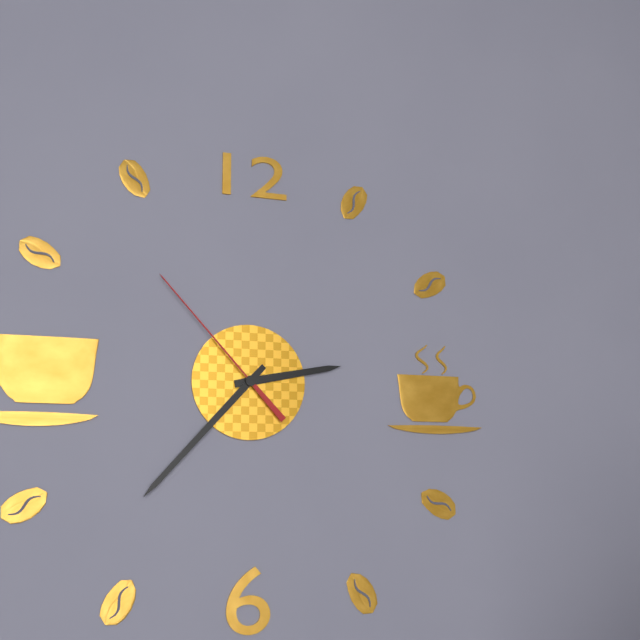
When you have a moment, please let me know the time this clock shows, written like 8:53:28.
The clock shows 2:37:53
